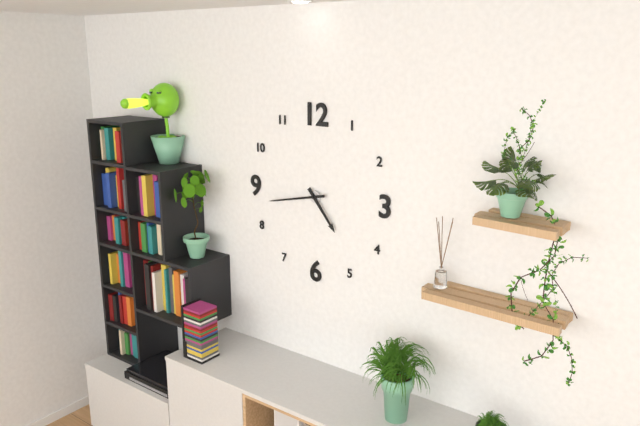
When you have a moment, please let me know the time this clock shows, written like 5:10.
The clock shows 4:43
